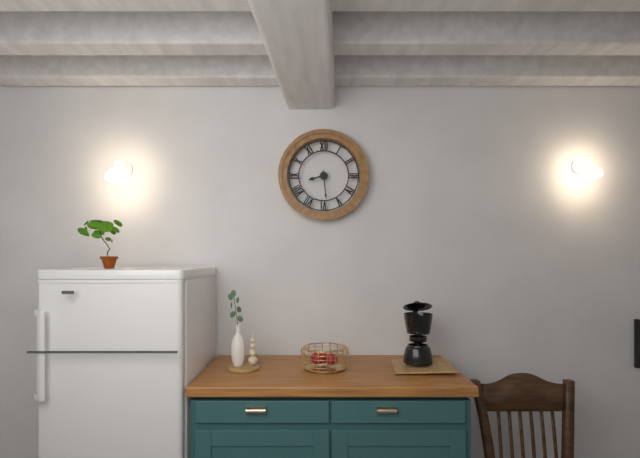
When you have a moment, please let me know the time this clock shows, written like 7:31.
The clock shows 8:29
